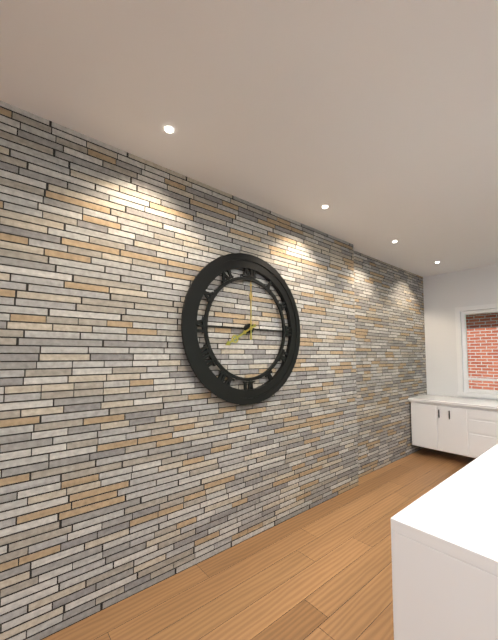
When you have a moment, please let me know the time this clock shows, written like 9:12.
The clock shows 8:00
